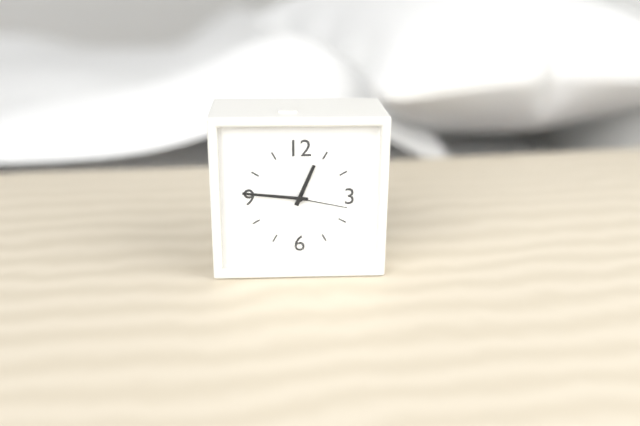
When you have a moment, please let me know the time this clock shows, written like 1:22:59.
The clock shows 12:46:17
